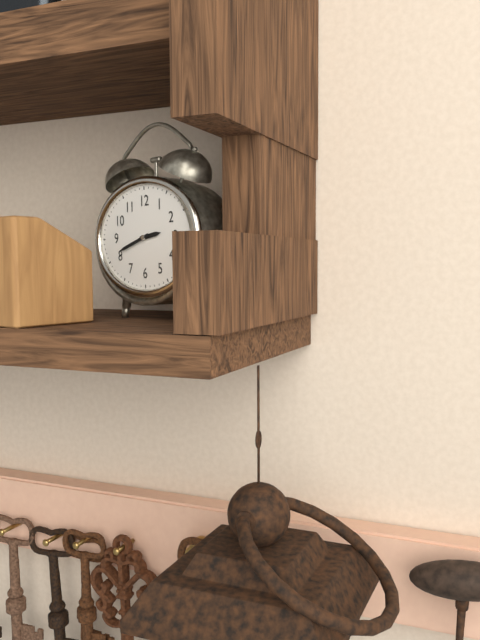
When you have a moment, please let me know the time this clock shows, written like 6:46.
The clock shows 2:42
